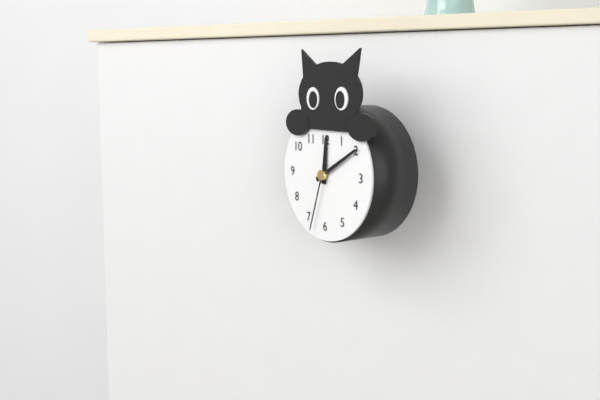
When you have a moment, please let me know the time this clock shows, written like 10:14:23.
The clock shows 12:10:33
